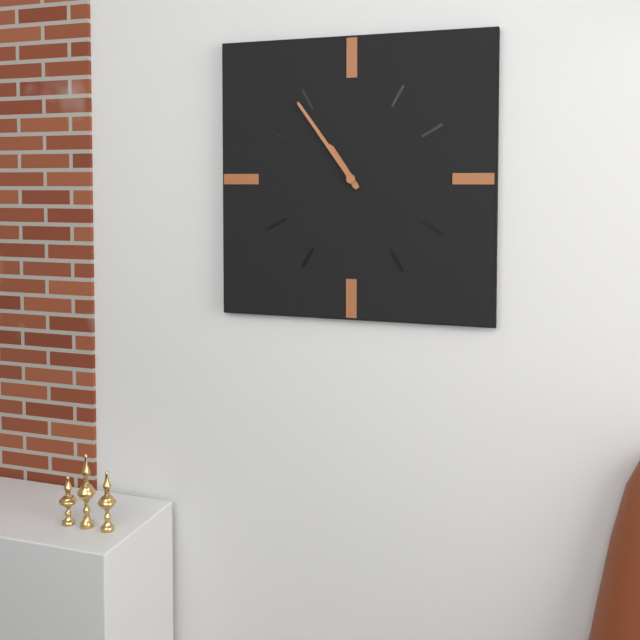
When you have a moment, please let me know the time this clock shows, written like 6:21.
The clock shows 10:54
